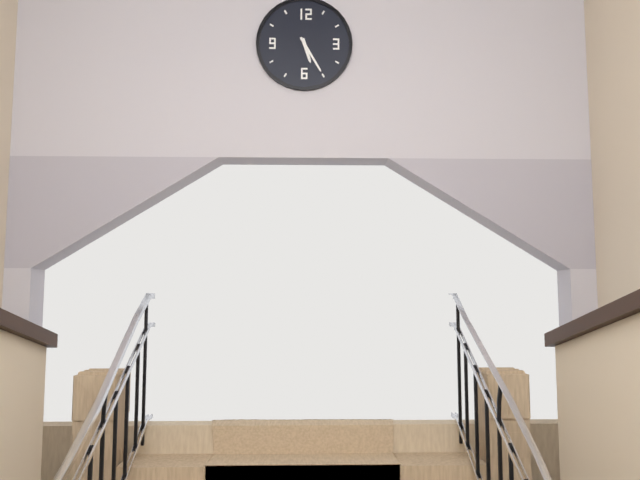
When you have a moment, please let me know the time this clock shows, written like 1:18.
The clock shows 5:25
